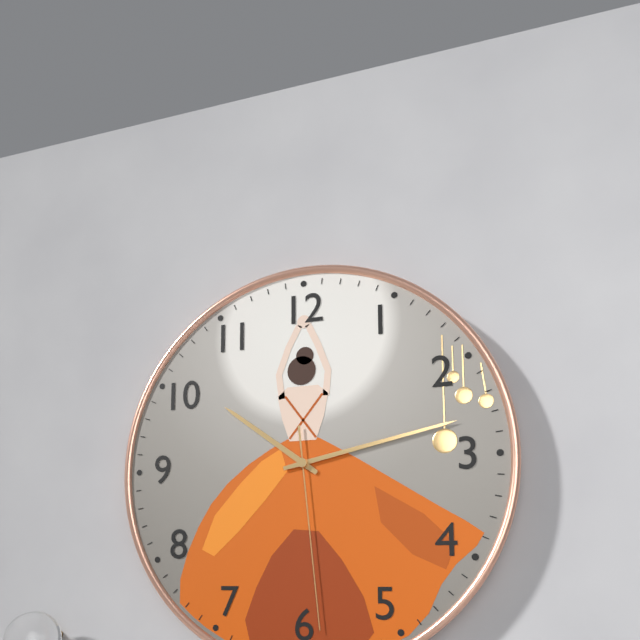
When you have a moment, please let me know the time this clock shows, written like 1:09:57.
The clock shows 10:13:29
